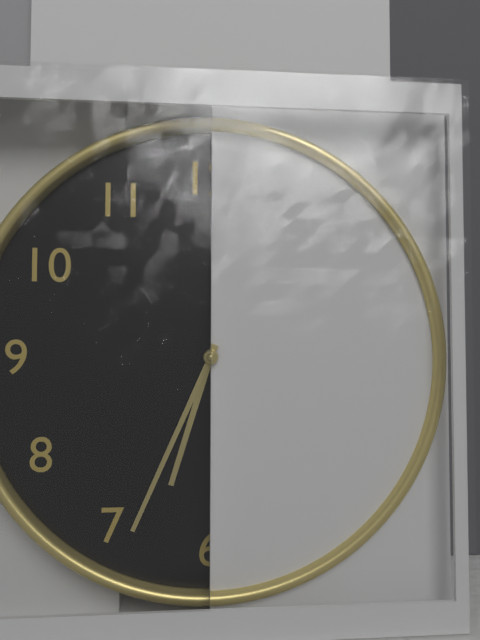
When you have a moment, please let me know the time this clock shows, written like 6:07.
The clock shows 6:34
